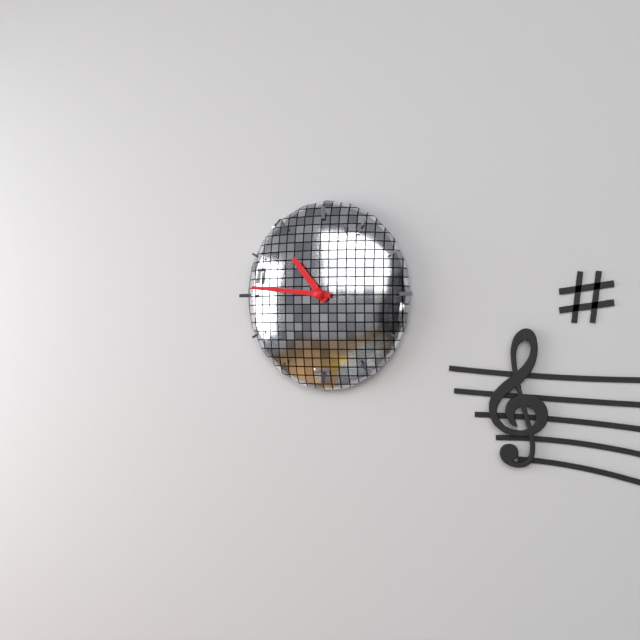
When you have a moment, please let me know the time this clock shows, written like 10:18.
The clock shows 10:46
